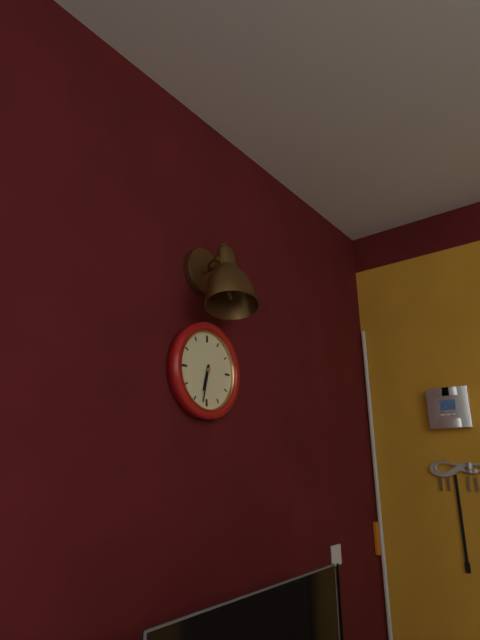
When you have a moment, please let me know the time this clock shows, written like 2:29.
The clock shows 6:32
